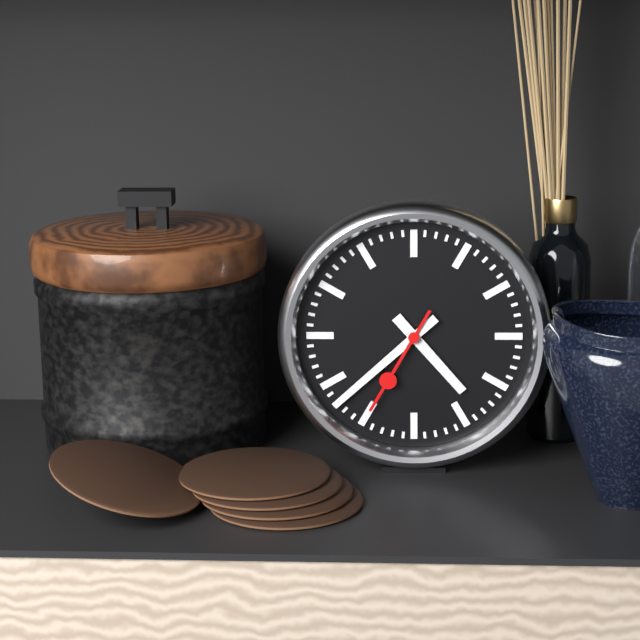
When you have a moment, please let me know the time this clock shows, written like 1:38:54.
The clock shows 4:38:35
